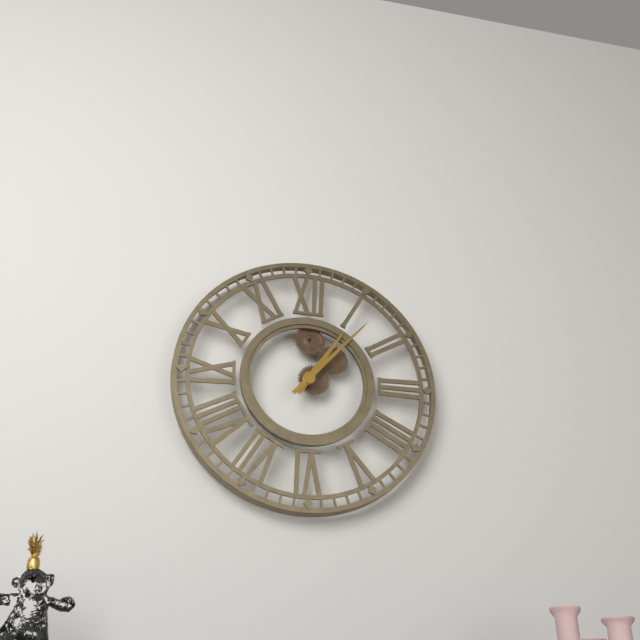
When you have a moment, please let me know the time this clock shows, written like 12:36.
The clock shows 1:07
